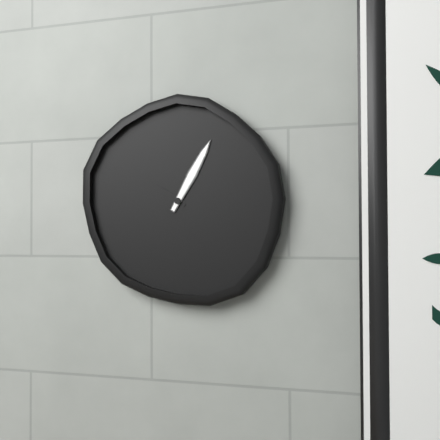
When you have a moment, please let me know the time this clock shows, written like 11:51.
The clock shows 10:05
